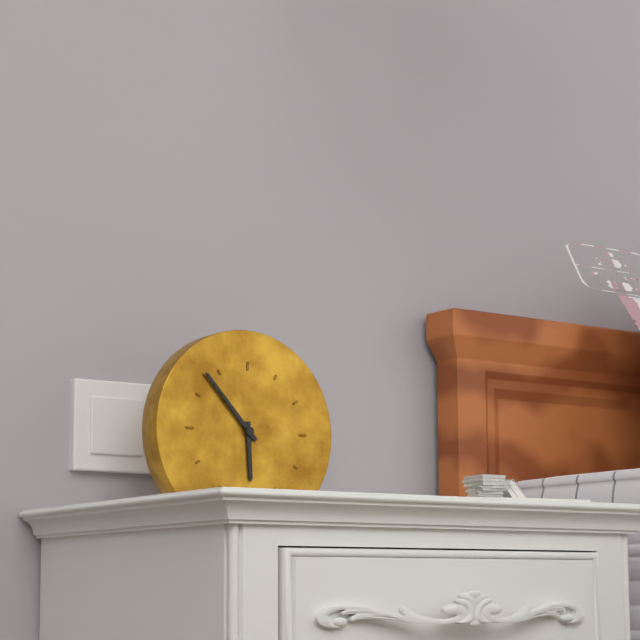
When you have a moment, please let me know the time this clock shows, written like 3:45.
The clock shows 5:53
